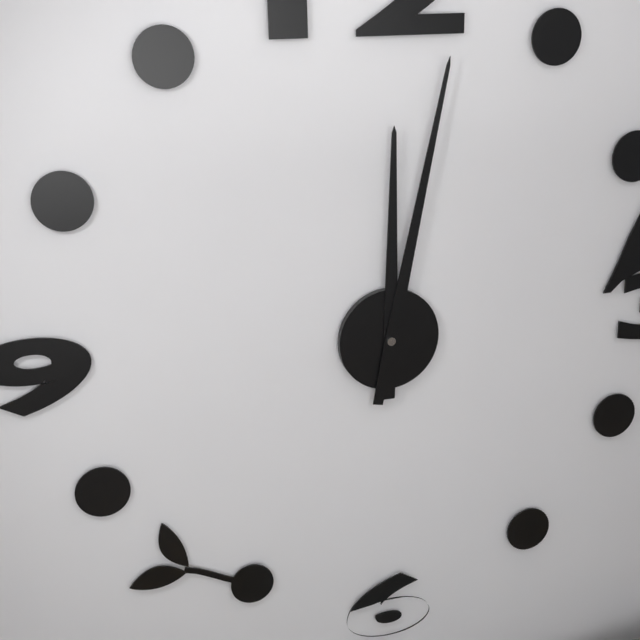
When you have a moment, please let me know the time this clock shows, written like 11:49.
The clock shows 12:02
